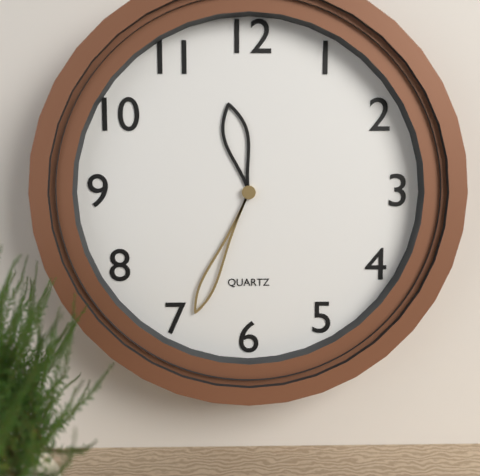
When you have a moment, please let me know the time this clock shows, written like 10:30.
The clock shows 11:34
